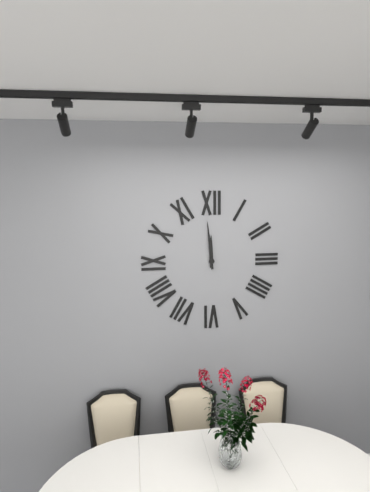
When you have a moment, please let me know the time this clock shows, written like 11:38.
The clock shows 11:59
